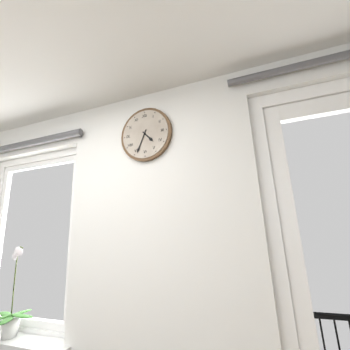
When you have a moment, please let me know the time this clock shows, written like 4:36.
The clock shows 4:34
